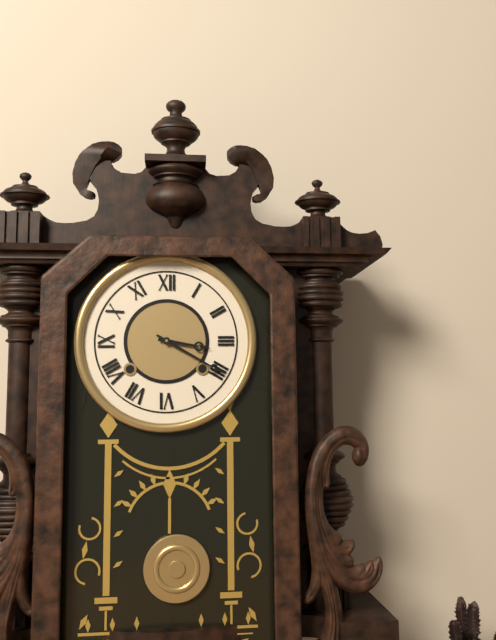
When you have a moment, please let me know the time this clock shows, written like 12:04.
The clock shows 3:20
